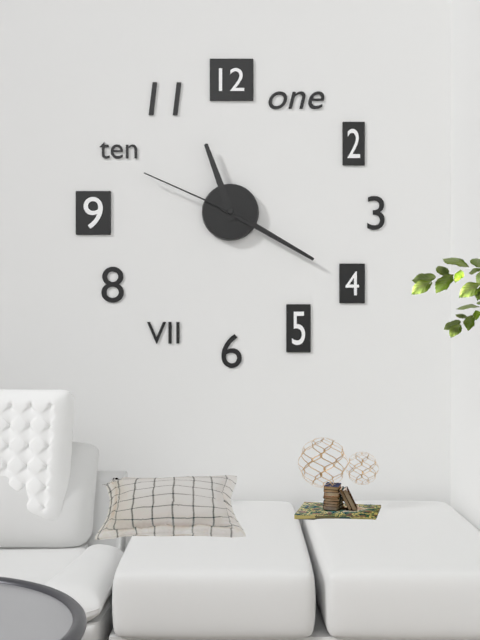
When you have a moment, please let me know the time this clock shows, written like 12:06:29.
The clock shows 11:20:49
